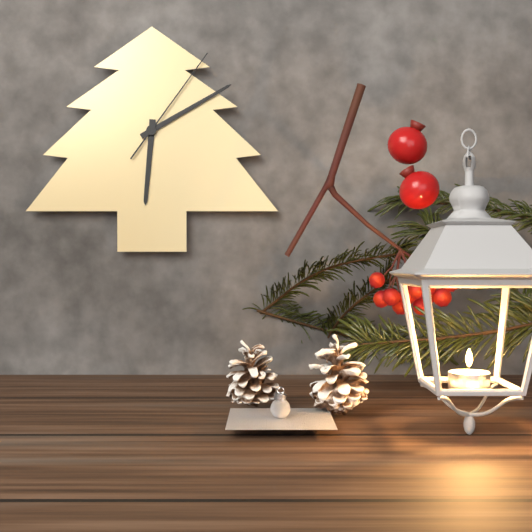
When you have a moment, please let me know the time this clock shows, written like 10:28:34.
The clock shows 6:10:06
